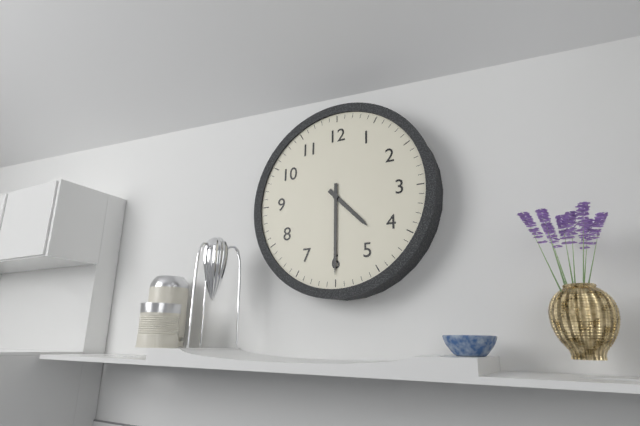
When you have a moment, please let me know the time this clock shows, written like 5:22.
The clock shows 4:30
